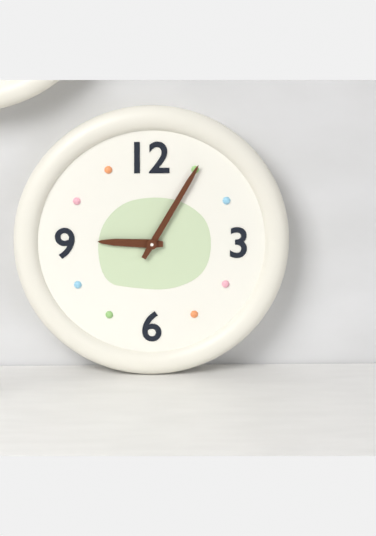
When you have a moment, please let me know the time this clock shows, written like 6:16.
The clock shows 9:05
